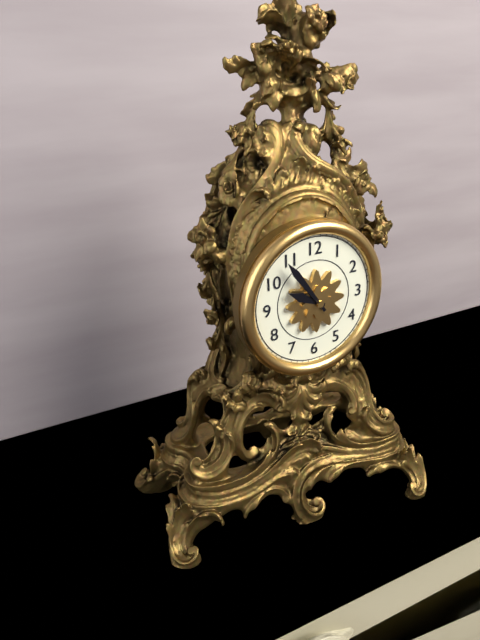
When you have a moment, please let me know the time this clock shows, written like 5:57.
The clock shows 9:54
